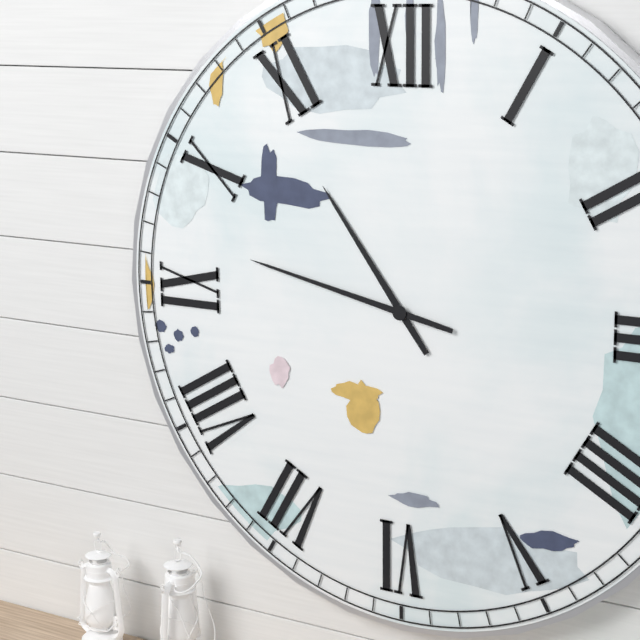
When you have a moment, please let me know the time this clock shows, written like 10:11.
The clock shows 10:47
